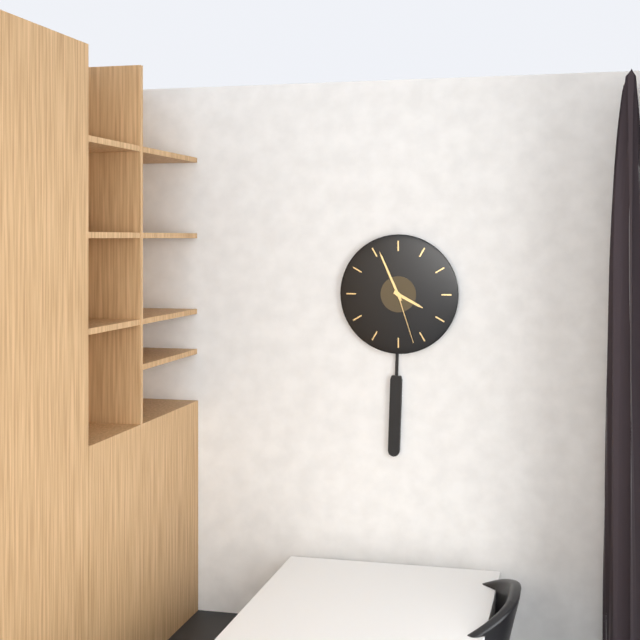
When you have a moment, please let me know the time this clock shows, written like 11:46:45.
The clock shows 3:56:27
